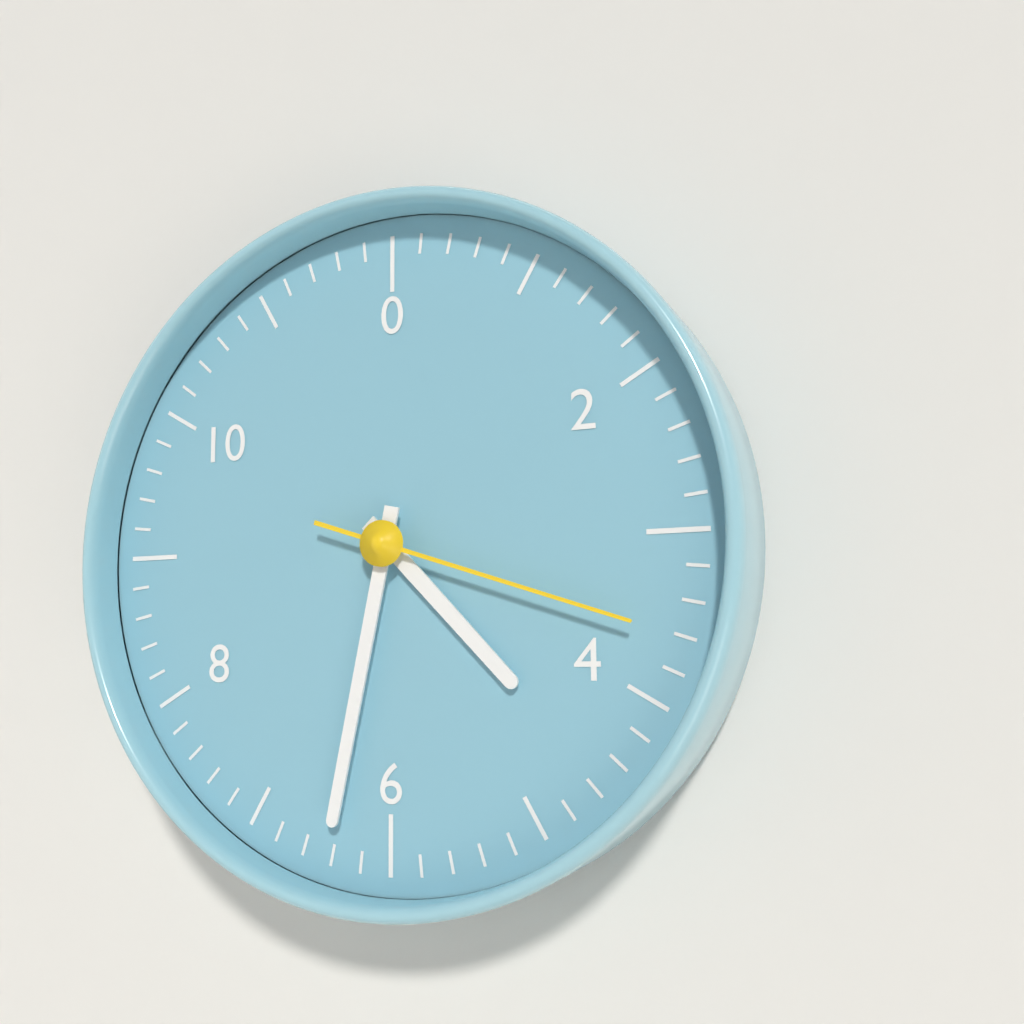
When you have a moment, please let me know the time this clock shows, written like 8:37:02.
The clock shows 4:32:18
